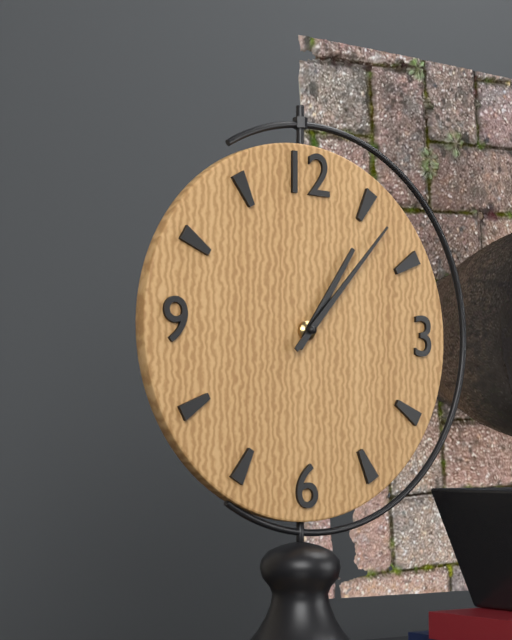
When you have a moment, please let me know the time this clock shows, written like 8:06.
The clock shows 1:07
